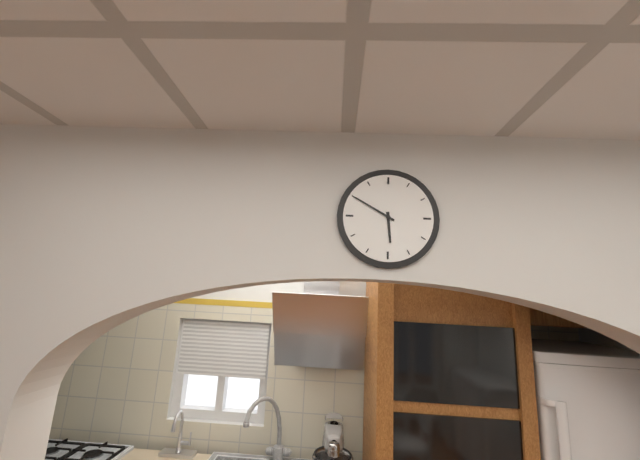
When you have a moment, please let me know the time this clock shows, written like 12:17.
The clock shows 5:50
